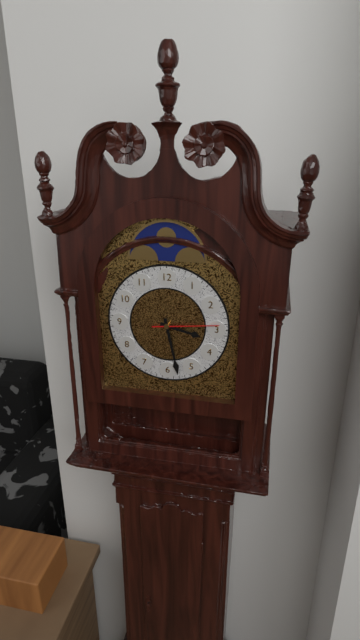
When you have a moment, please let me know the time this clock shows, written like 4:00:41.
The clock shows 3:28:14
